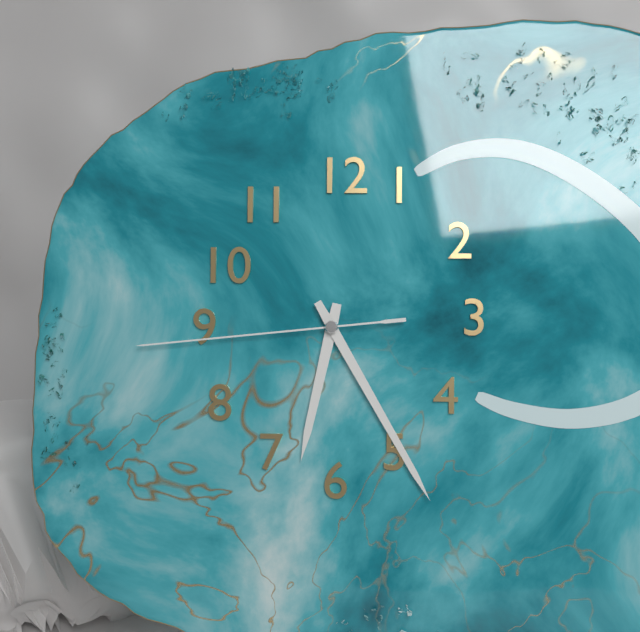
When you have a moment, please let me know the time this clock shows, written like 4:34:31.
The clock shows 6:25:44
